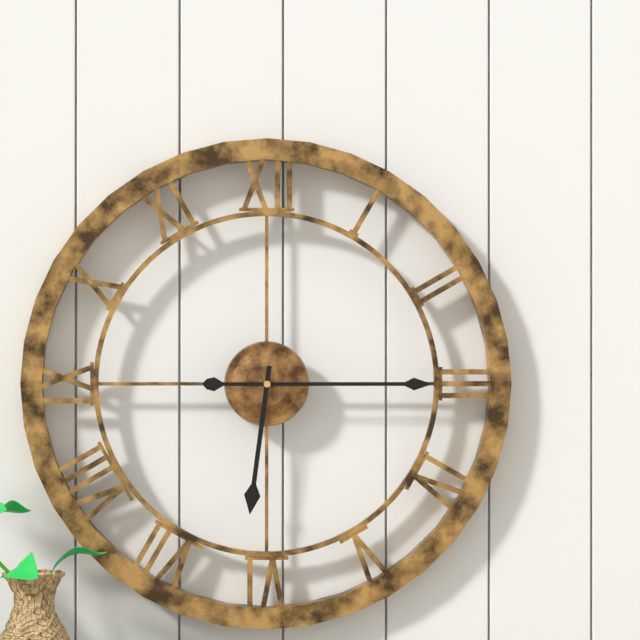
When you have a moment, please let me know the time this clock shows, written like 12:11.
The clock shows 6:15
